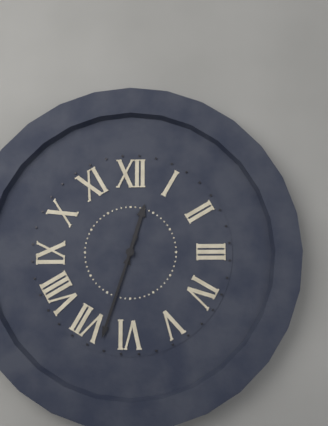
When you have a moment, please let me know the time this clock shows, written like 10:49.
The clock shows 12:33
